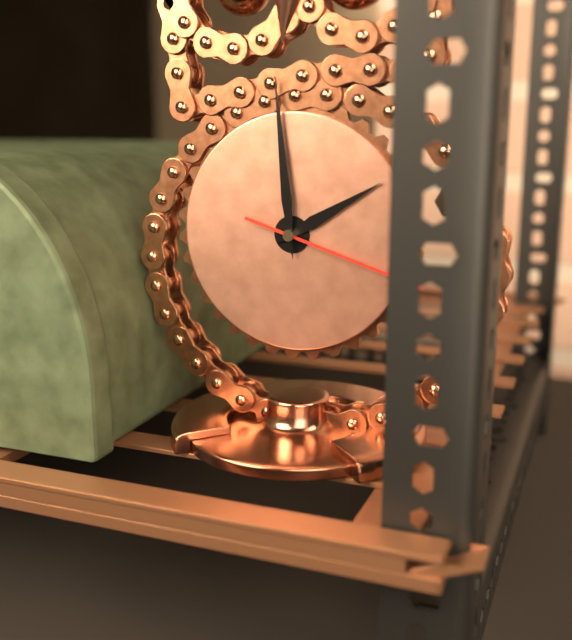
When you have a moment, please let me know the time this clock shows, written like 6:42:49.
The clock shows 1:59:18
